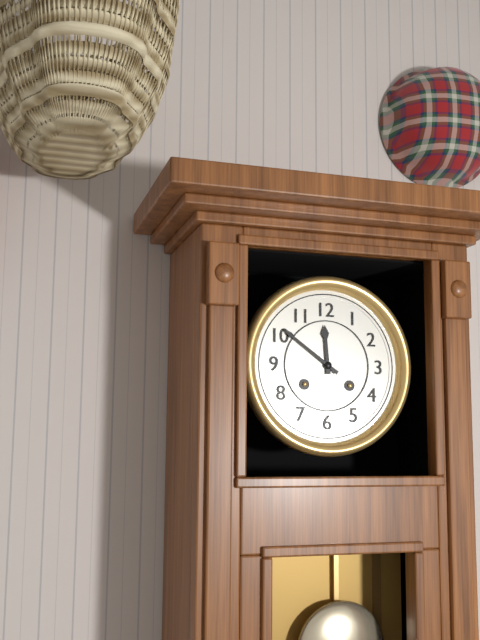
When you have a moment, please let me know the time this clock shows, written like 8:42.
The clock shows 11:51
